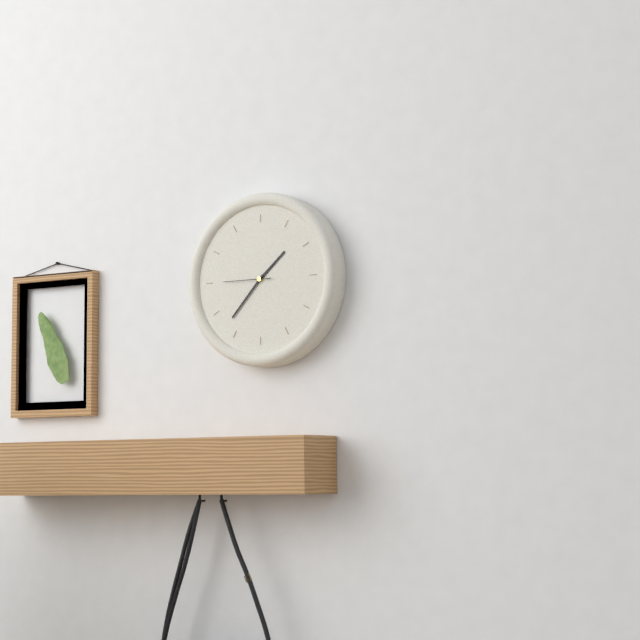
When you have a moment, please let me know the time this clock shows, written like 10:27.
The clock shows 1:37
